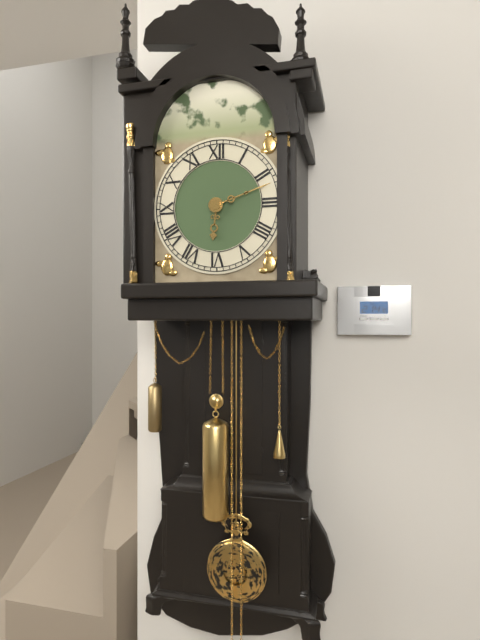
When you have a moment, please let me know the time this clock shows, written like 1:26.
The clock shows 6:12
